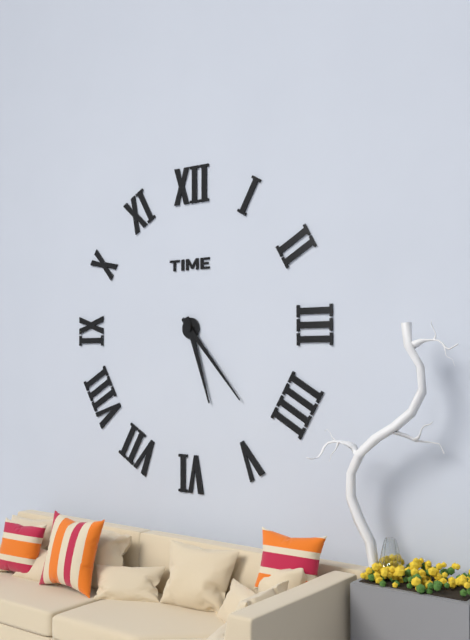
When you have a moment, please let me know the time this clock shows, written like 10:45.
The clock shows 5:23
